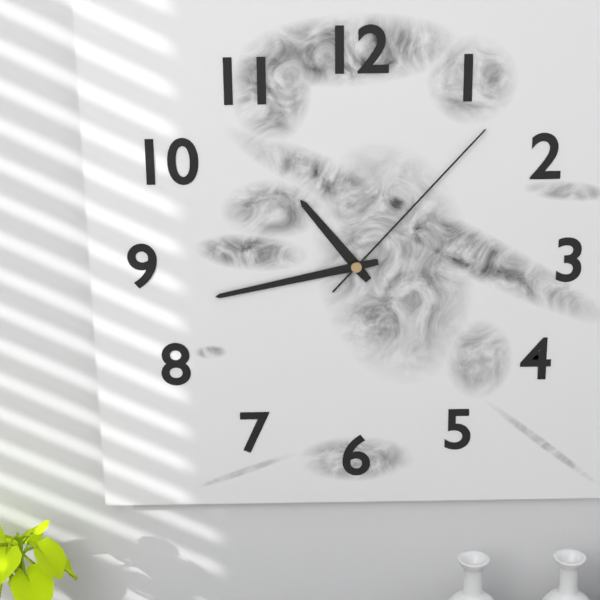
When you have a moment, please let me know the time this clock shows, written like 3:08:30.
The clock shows 10:43:07
